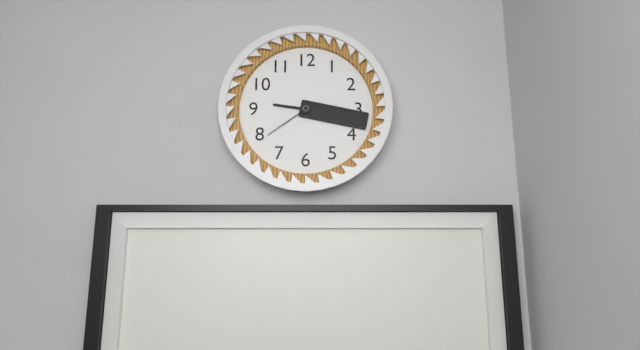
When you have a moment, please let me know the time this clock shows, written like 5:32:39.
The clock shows 9:17:39
